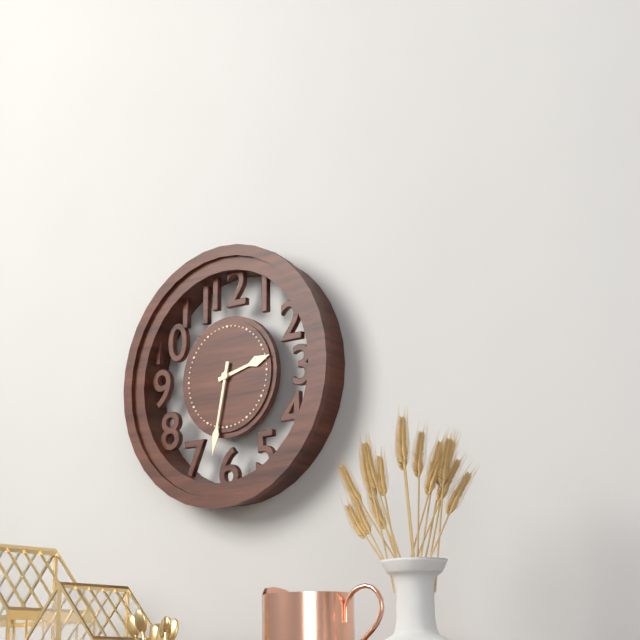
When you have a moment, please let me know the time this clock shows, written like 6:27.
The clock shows 2:32
